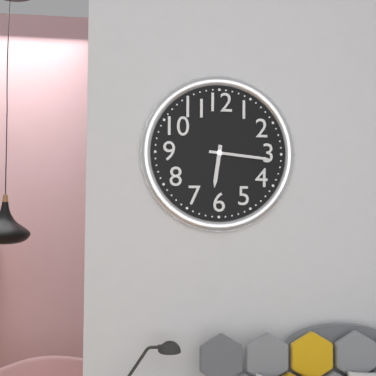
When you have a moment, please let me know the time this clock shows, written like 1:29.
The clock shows 6:16
